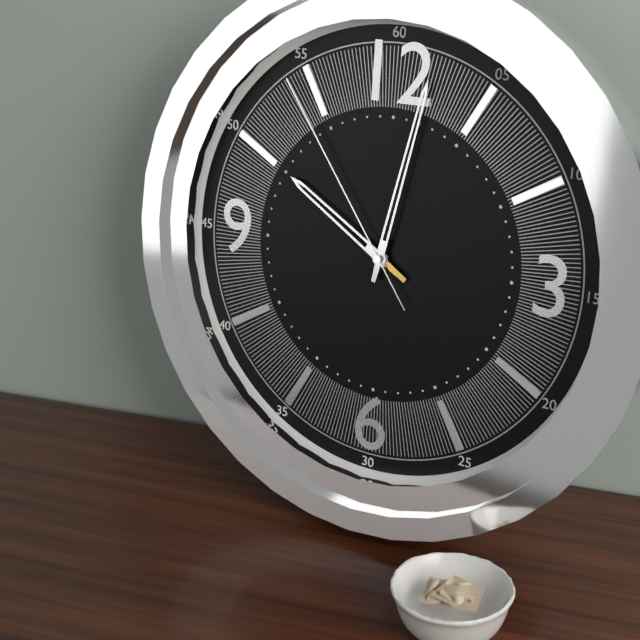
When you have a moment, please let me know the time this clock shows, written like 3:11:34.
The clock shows 10:02:54
